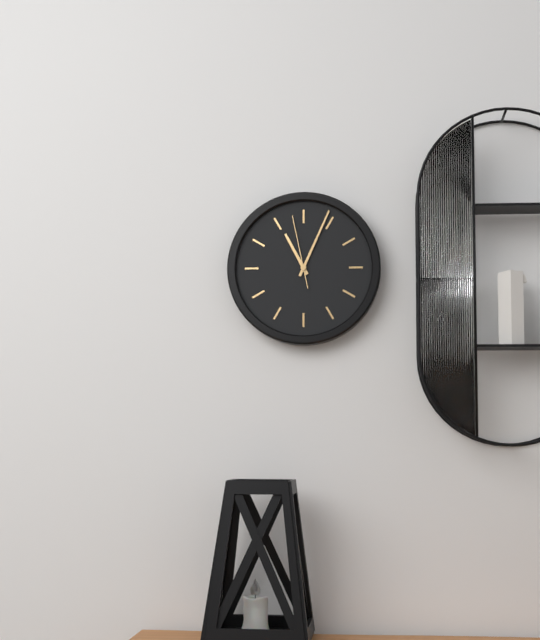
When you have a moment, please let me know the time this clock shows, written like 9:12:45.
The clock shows 11:04:58
